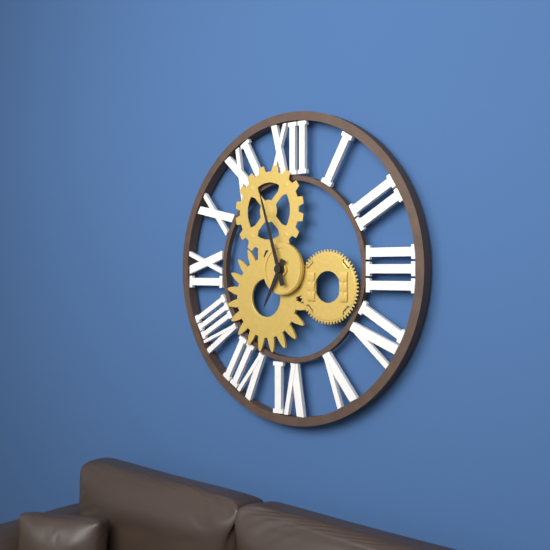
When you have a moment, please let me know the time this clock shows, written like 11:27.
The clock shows 6:57
